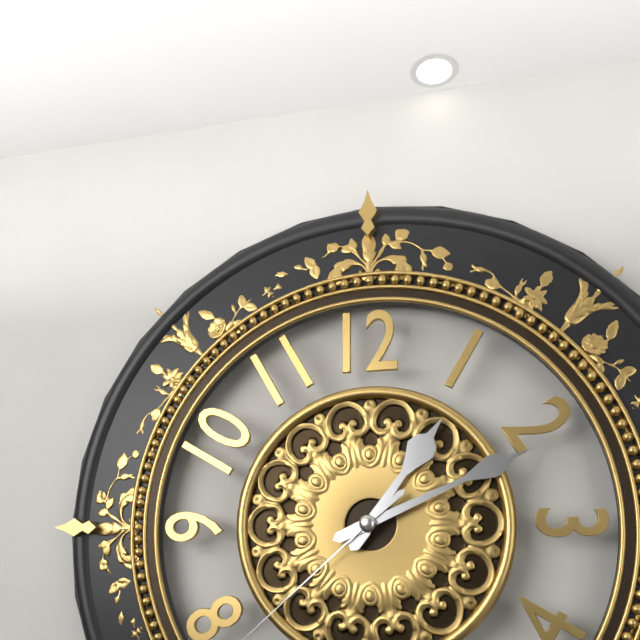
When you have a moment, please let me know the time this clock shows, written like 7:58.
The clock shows 1:11
